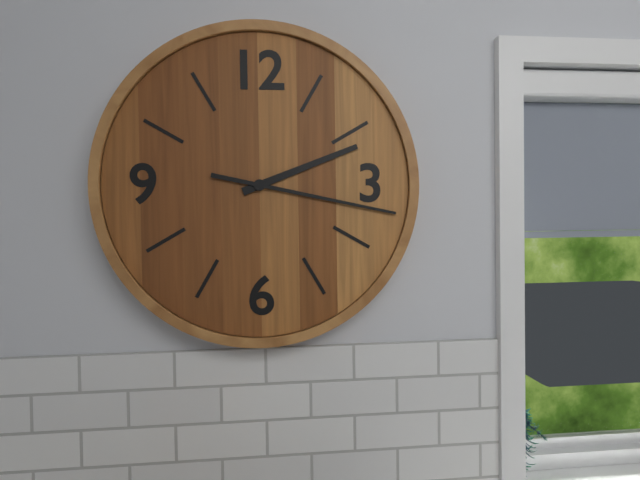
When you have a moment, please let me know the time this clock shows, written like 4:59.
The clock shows 2:17
